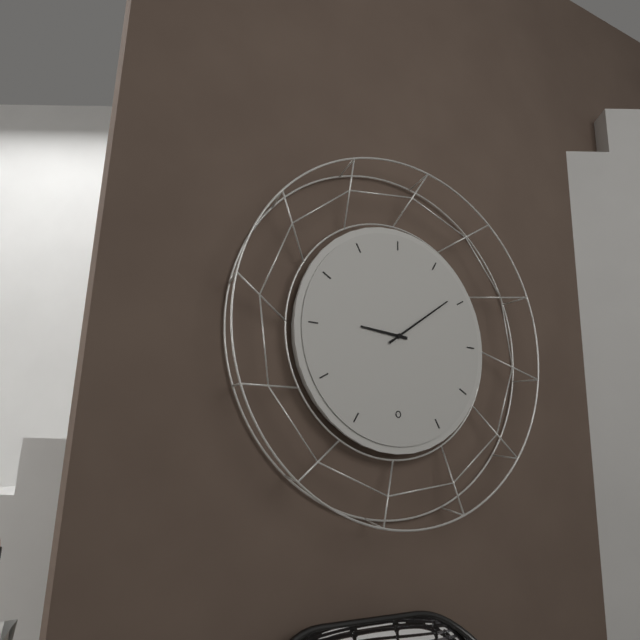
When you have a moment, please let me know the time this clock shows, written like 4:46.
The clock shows 9:09
